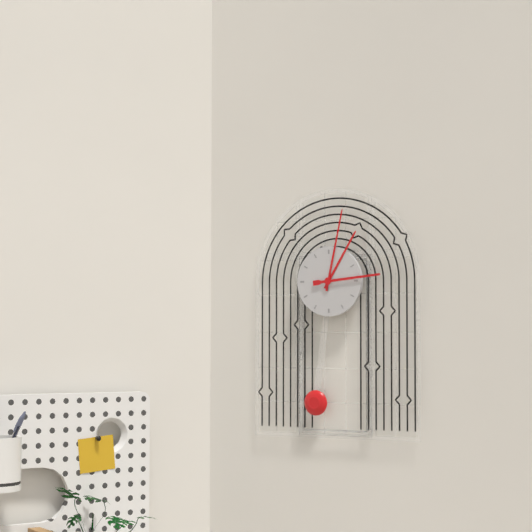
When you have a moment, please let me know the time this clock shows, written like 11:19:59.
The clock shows 1:02:14
